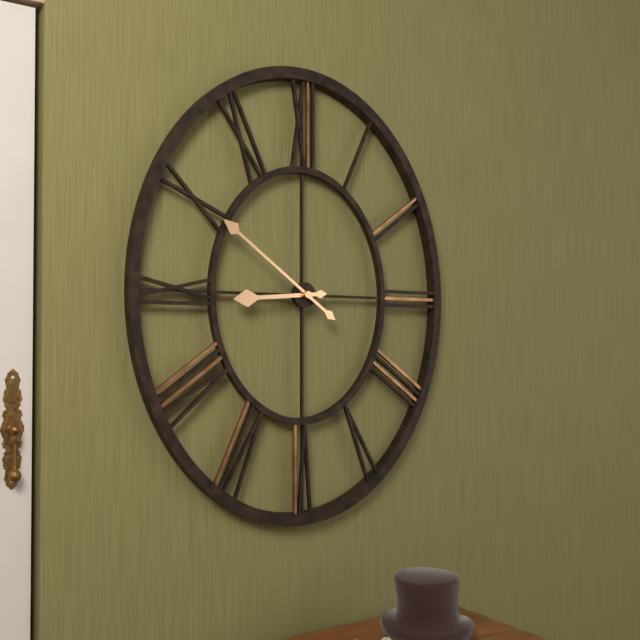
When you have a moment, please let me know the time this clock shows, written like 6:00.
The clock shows 8:51
